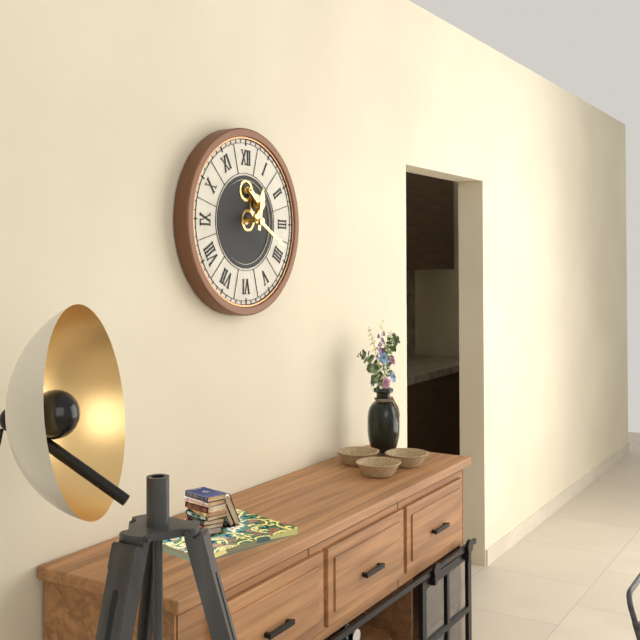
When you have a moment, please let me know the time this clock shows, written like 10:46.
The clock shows 12:20
